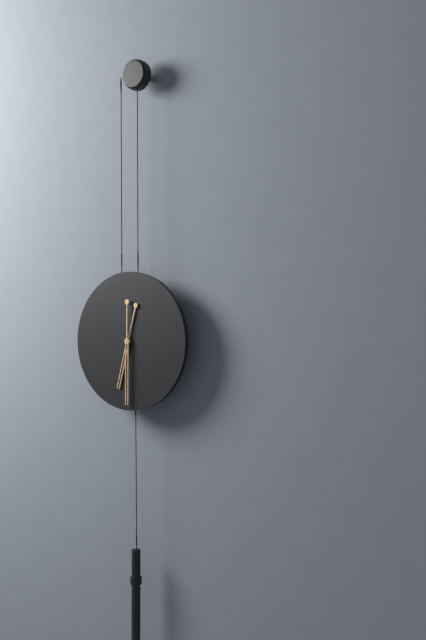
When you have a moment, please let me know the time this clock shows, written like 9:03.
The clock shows 6:30
